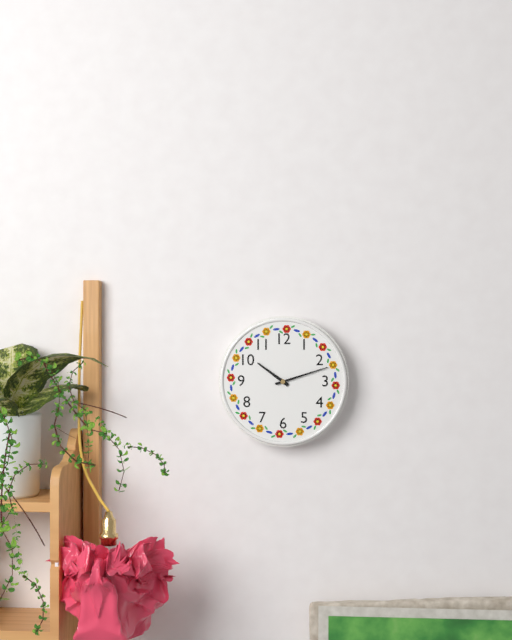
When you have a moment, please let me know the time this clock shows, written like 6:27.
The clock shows 10:12
